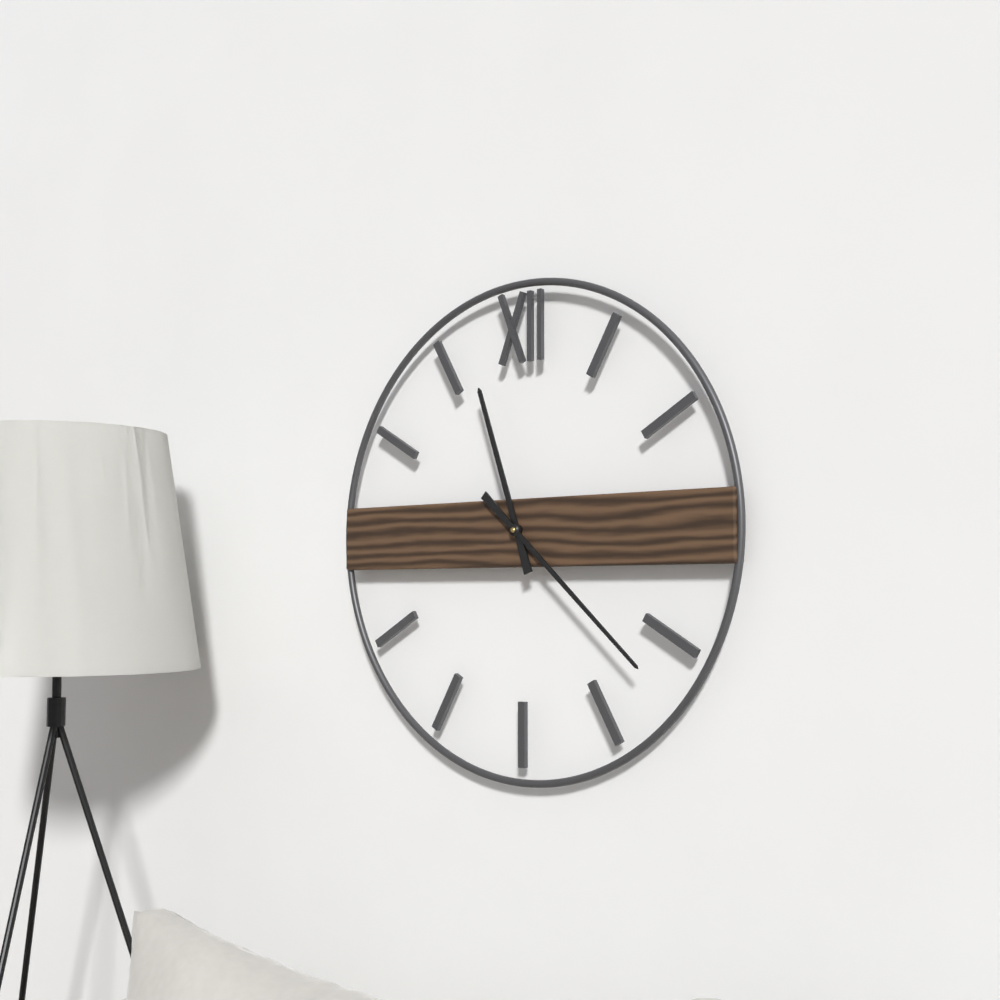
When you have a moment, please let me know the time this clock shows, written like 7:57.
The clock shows 11:22
